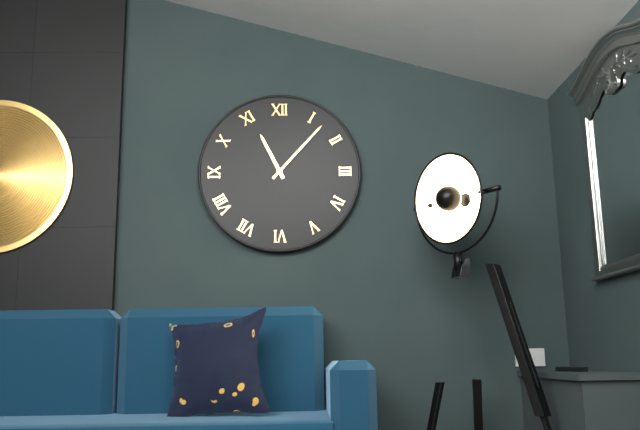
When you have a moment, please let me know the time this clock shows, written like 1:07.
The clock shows 11:07
